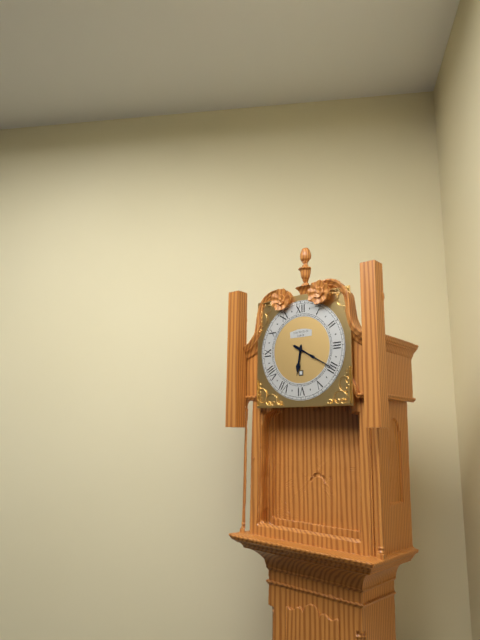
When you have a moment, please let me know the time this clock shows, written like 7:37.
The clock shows 6:20
